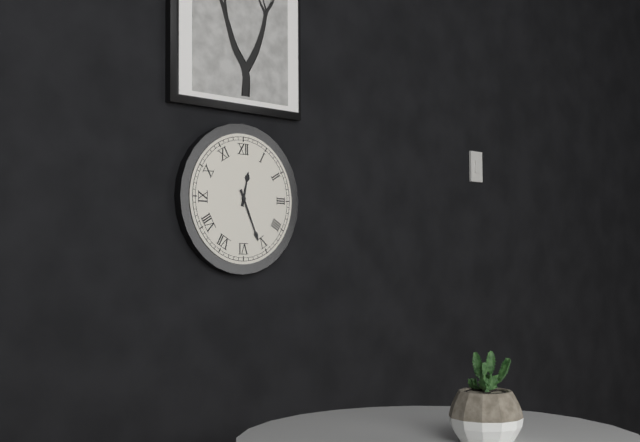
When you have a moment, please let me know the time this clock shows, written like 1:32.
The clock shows 12:26
